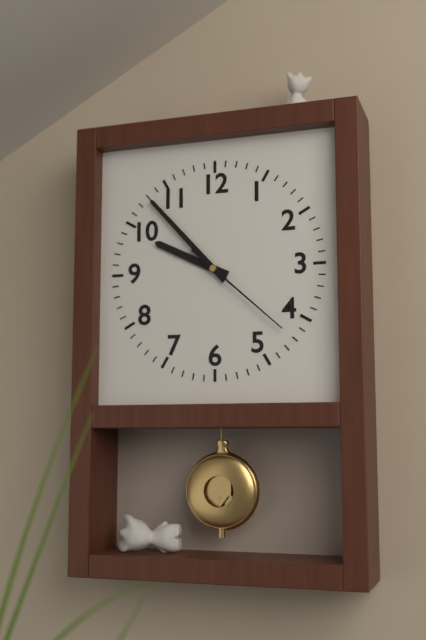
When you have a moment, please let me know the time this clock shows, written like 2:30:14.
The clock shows 9:53:22
